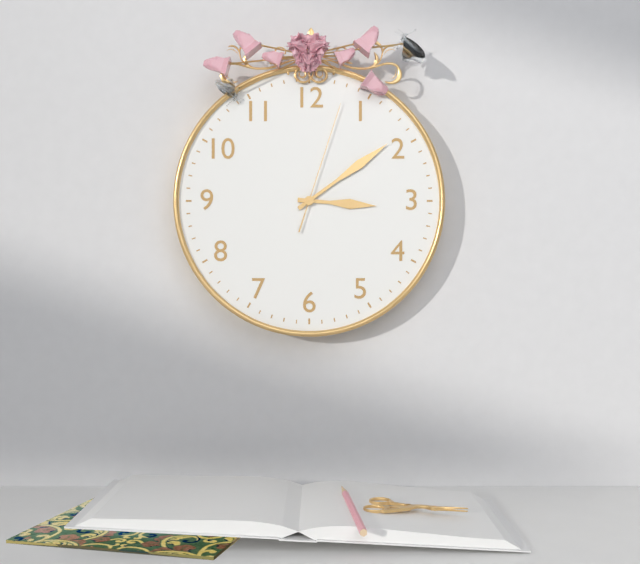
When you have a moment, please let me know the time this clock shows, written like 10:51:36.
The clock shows 3:09:03
